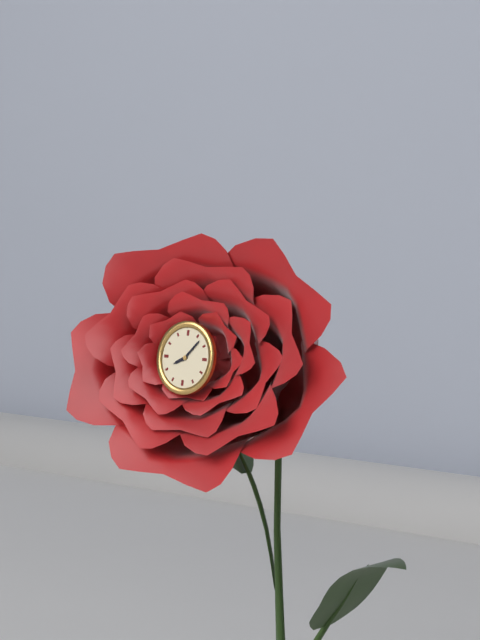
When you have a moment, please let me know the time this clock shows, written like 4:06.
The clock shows 8:07
